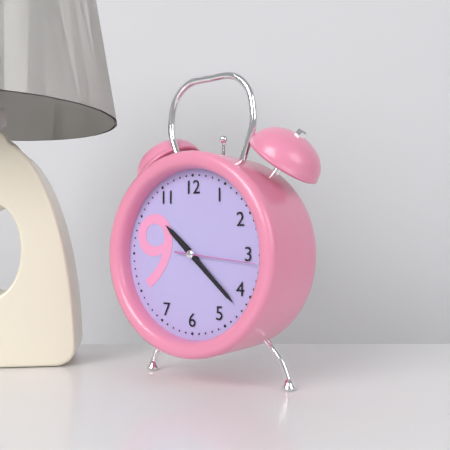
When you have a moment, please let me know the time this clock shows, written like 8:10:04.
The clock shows 10:22:16
